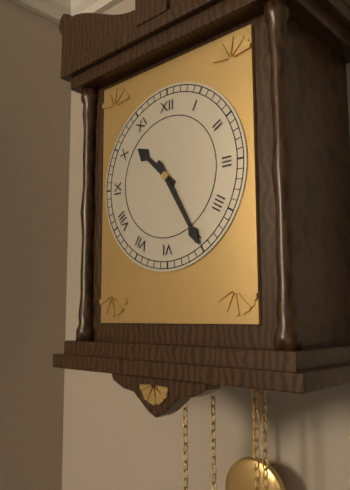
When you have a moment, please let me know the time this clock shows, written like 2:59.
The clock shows 10:25
